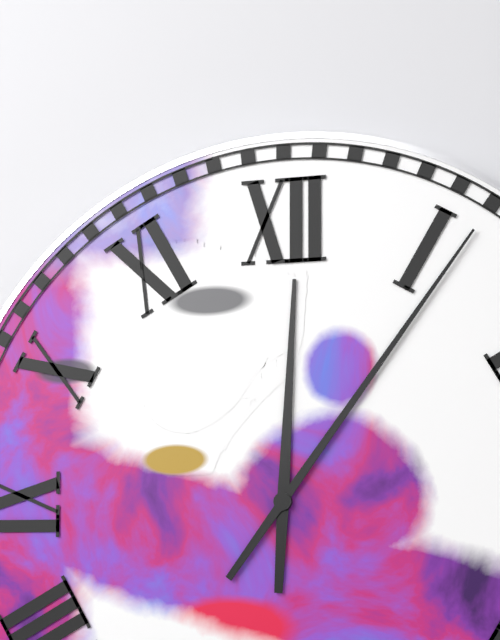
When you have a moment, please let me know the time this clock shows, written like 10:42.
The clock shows 12:06
